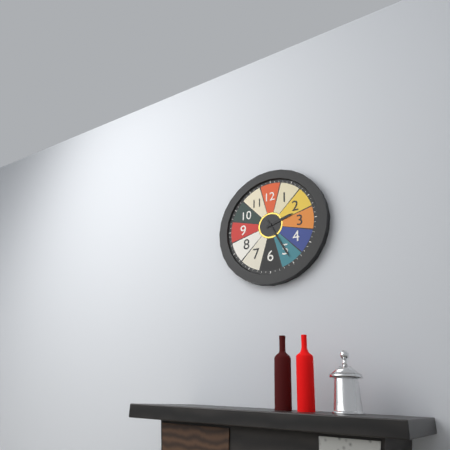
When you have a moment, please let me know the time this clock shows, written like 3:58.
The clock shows 2:25
